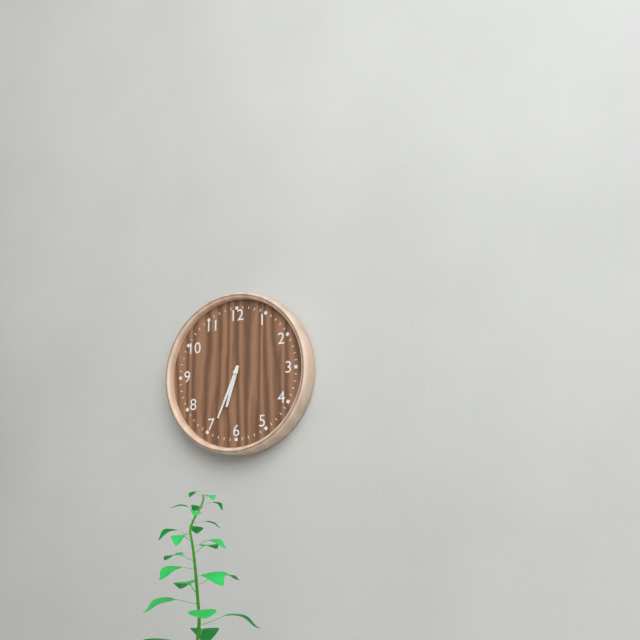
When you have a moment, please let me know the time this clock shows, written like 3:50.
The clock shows 6:34
